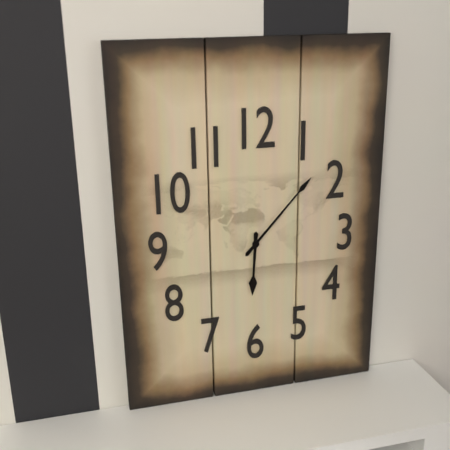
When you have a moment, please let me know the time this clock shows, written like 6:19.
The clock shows 6:07
